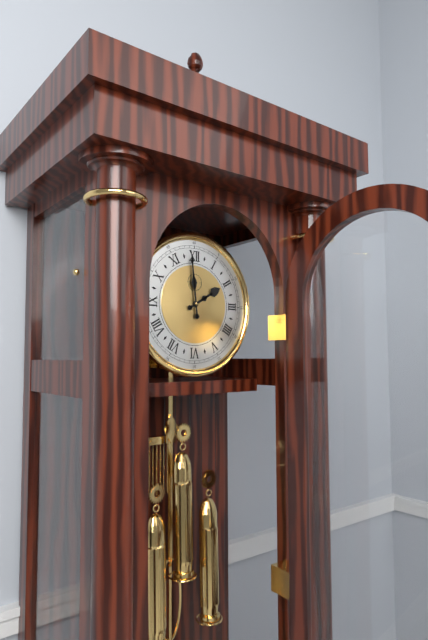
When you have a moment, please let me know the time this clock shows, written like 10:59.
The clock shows 1:59
